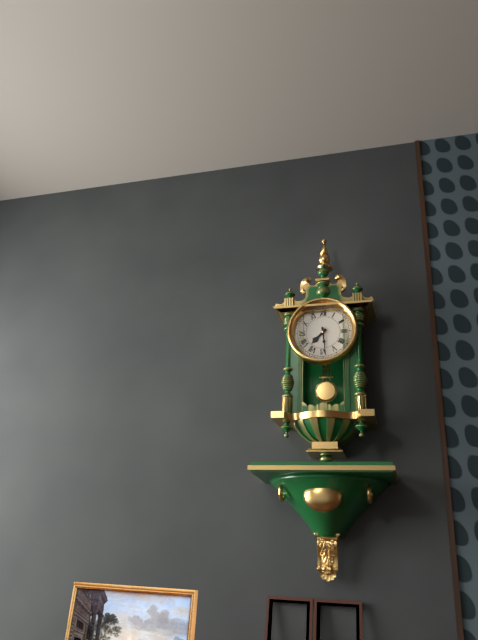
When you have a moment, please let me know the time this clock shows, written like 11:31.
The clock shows 7:29
